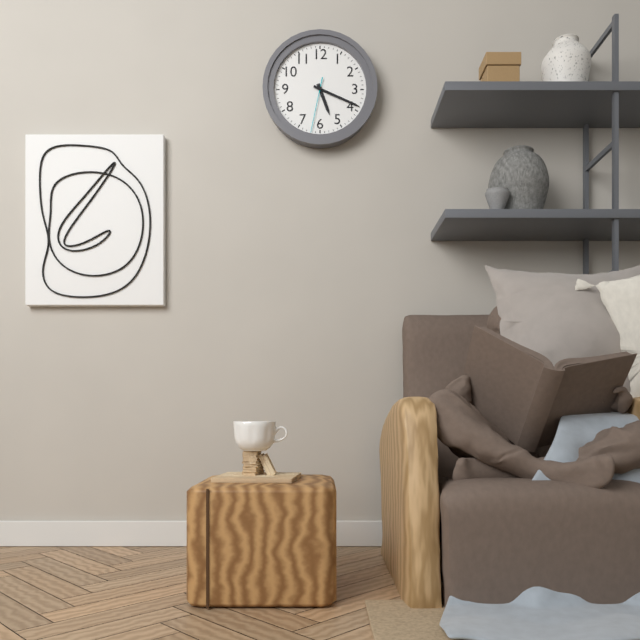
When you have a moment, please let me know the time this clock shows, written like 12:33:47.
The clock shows 5:19:32
